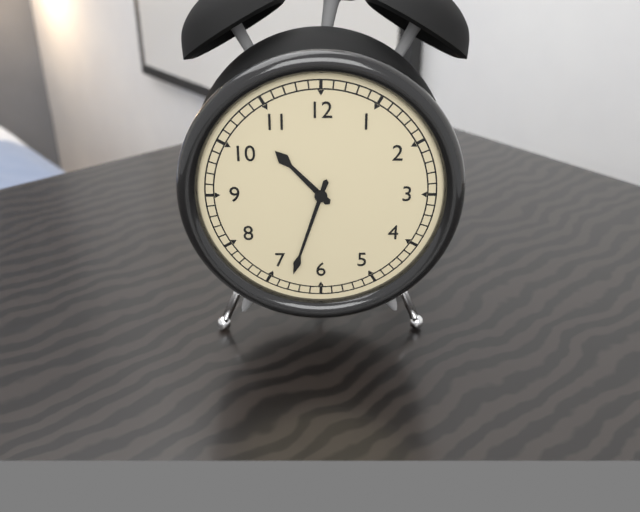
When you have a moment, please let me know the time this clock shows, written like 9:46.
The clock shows 10:33
